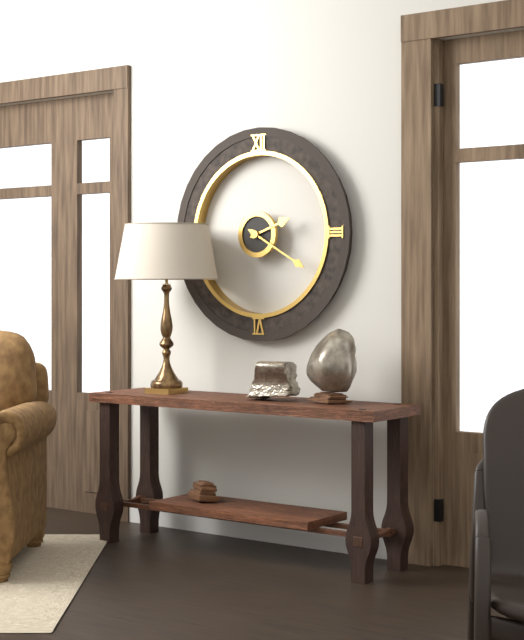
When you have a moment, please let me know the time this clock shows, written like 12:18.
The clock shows 2:20
